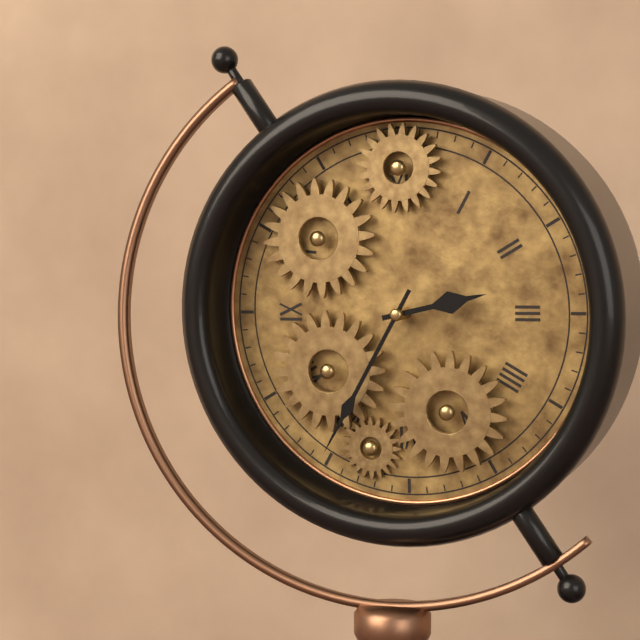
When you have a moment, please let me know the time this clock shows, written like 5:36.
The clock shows 2:35
